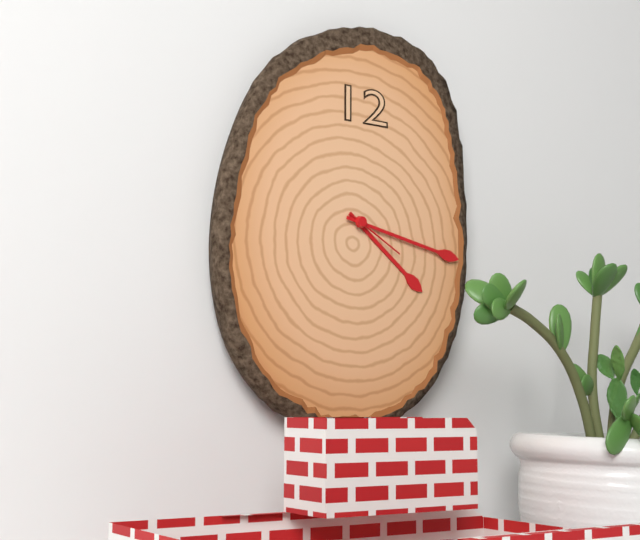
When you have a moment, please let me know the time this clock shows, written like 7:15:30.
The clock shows 4:17:20
